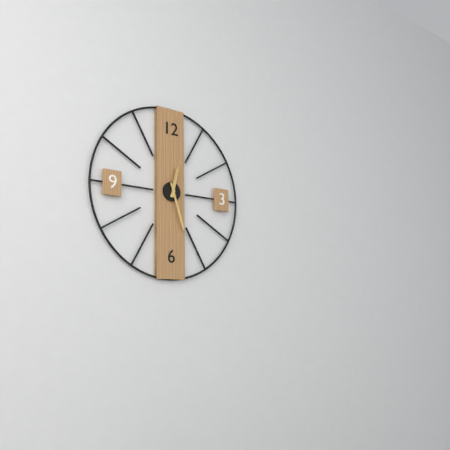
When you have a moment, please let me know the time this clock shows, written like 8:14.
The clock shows 12:27
